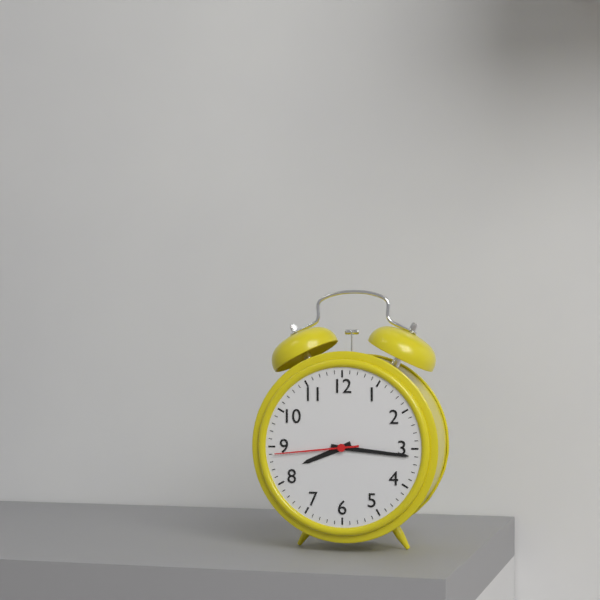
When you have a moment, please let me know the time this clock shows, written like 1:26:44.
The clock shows 8:16:44
